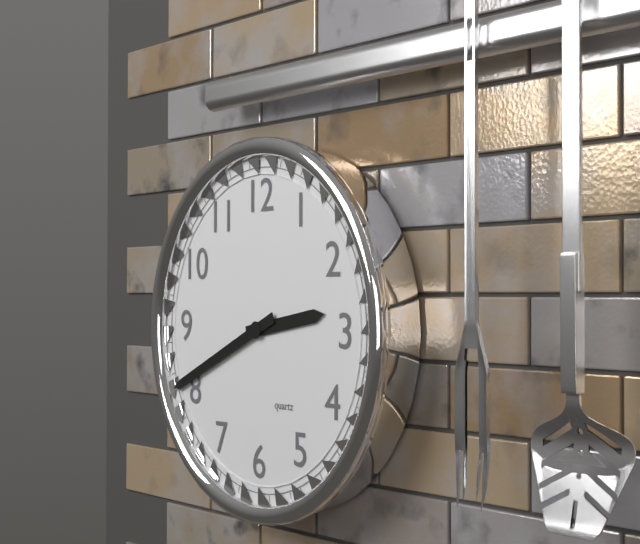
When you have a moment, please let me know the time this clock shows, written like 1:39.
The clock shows 2:41
